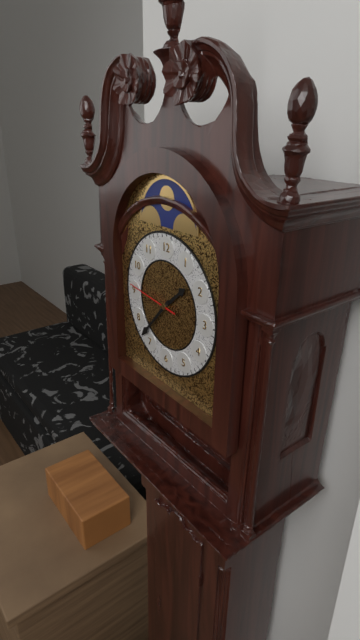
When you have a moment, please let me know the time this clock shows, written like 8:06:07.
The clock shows 1:37:46
